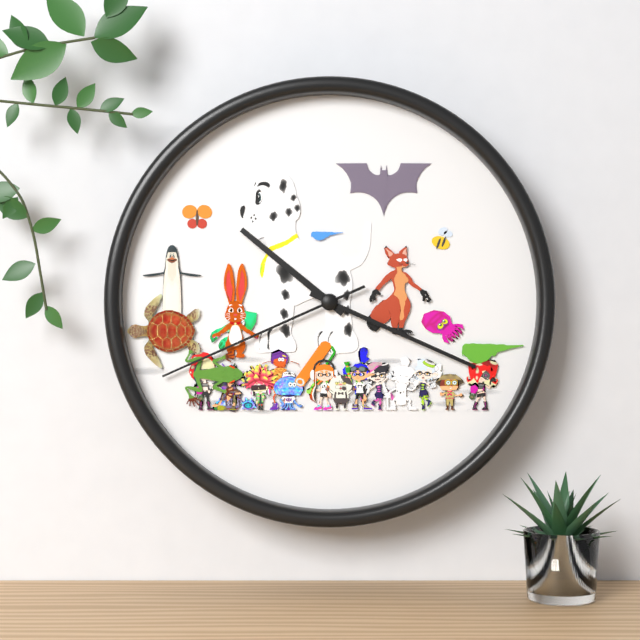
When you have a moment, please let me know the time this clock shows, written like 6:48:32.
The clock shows 10:19:41
